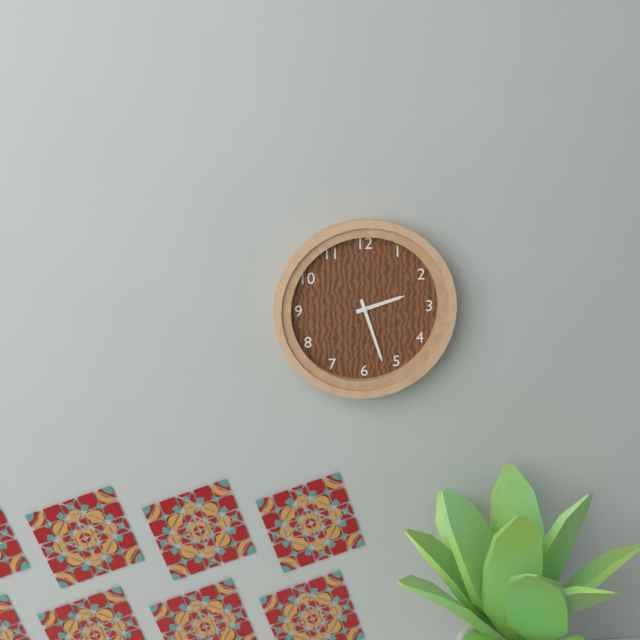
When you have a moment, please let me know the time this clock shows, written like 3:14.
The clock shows 2:27
